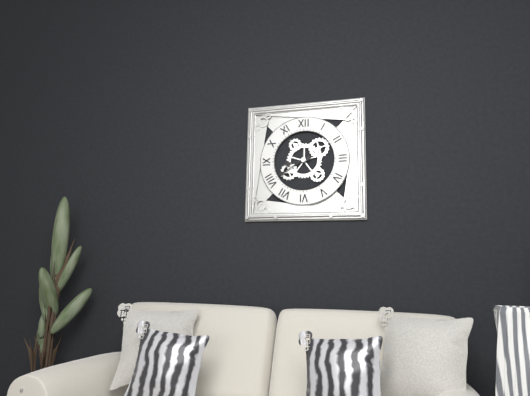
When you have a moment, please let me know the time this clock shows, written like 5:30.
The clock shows 8:40
